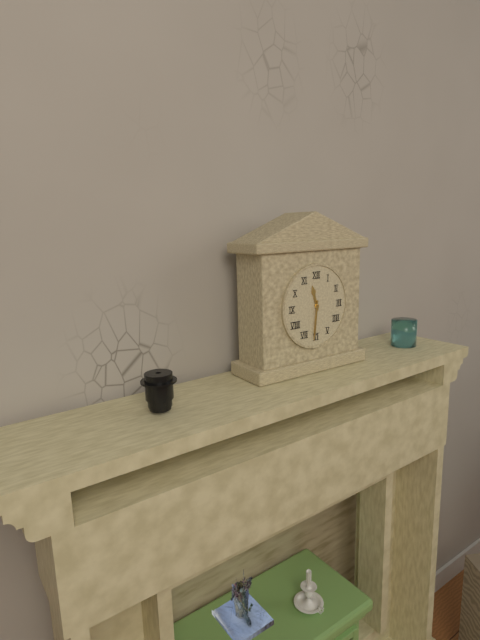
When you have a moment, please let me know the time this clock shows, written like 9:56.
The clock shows 11:31
